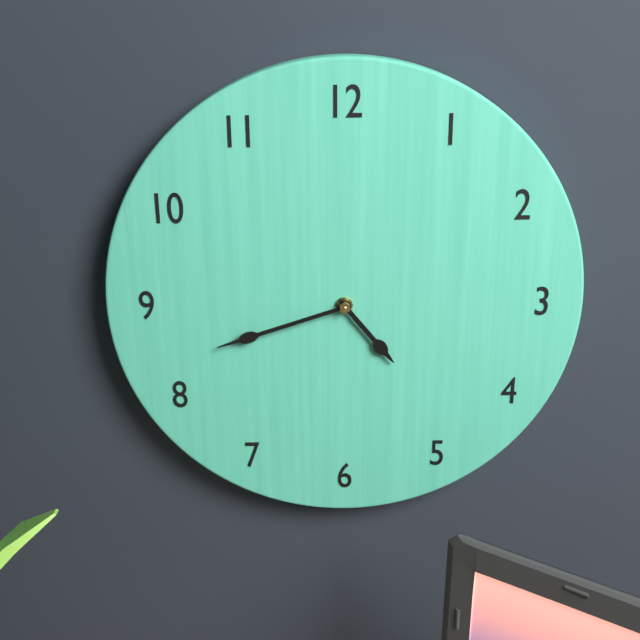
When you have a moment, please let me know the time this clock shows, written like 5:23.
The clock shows 4:42
